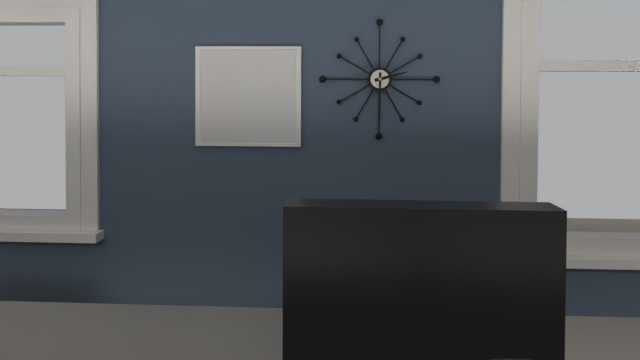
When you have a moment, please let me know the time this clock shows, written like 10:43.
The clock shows 2:30
